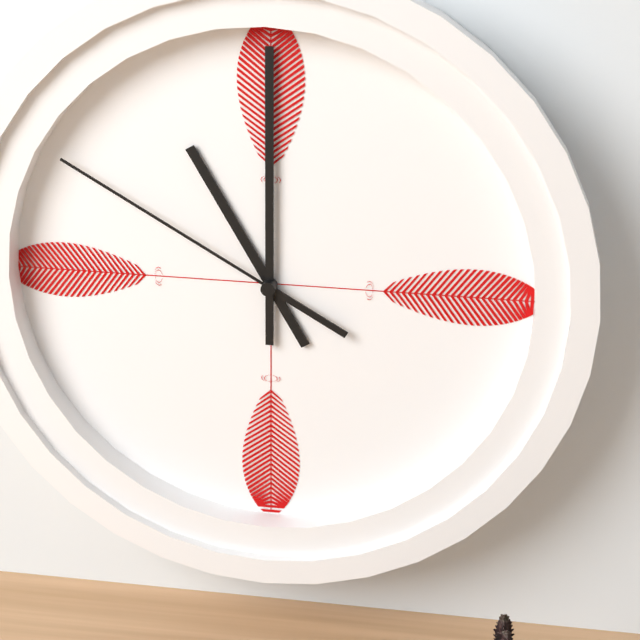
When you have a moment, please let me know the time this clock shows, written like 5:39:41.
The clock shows 11:00:50
